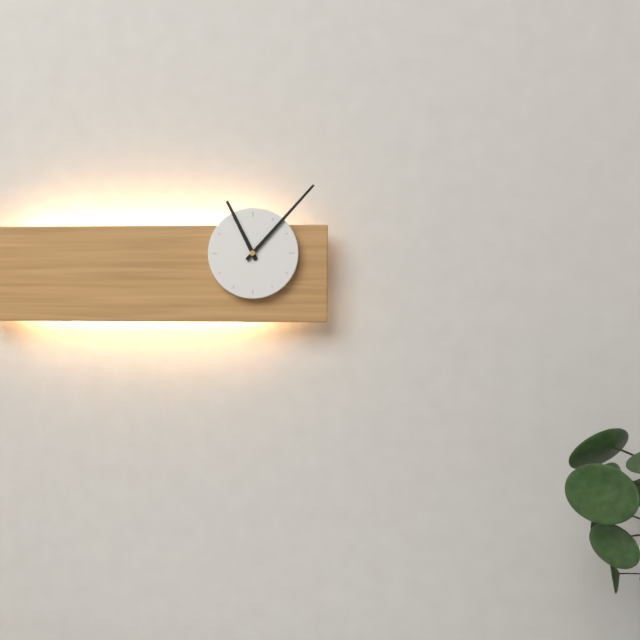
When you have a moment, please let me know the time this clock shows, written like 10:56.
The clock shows 11:07
